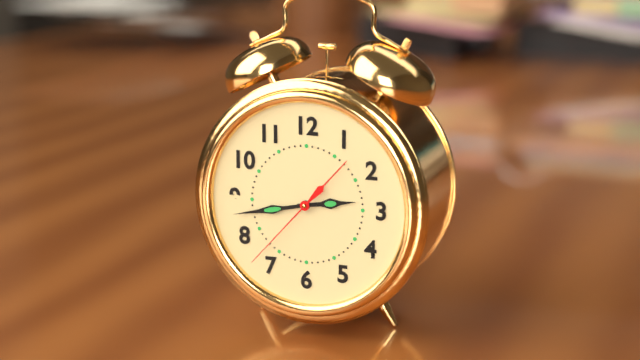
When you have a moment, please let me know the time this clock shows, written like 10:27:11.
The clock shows 2:43:37
